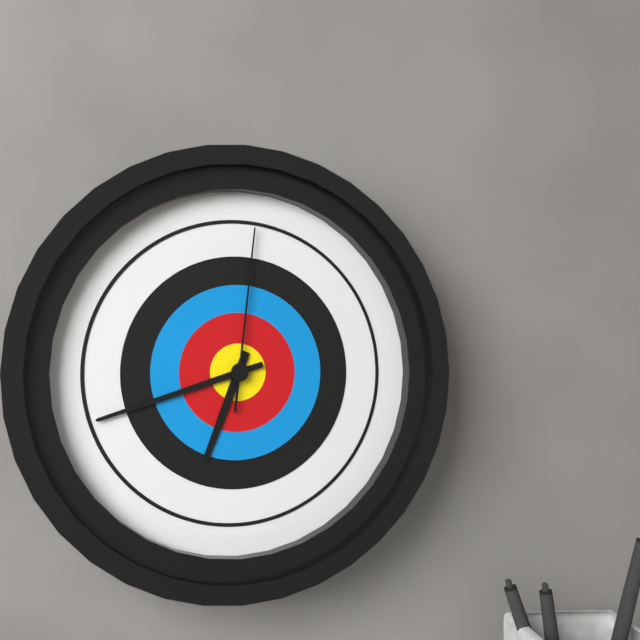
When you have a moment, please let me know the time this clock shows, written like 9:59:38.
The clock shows 6:42:01
